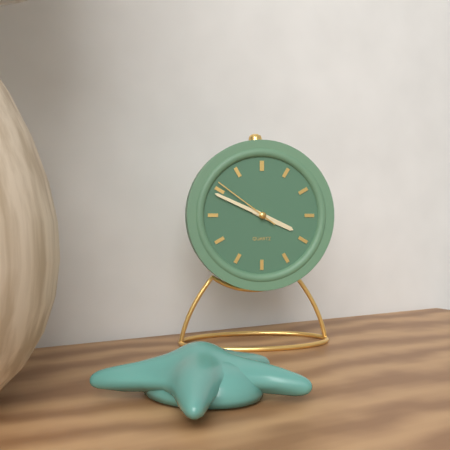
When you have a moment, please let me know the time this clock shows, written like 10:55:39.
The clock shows 3:49:51
